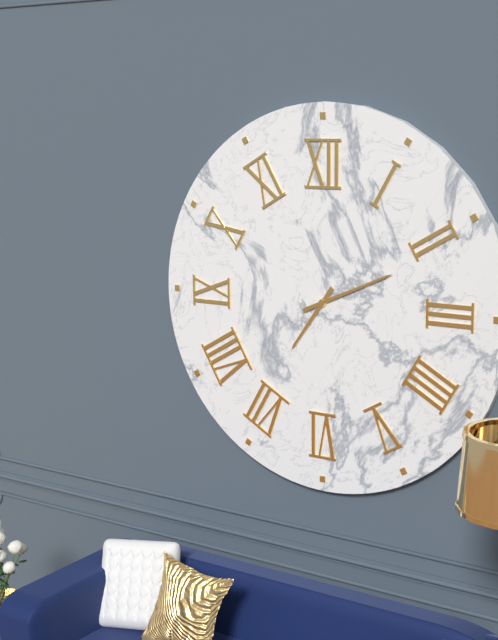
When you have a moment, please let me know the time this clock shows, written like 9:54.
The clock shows 7:11
